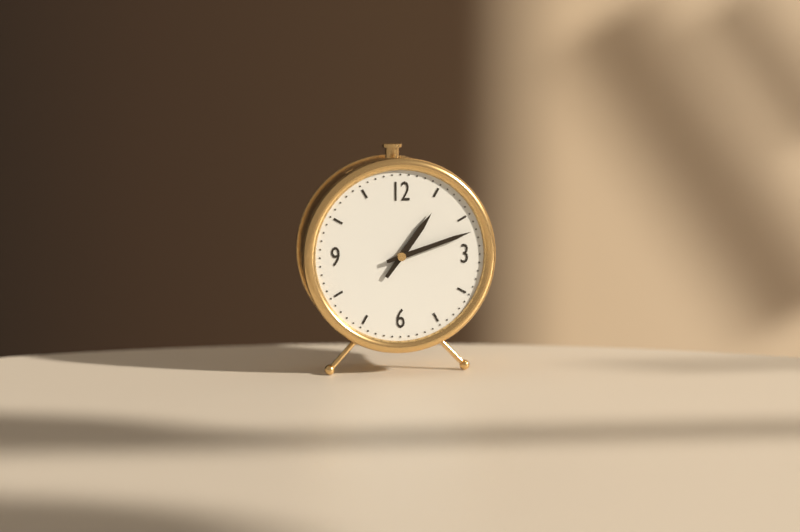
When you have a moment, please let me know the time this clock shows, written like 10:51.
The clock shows 1:12
